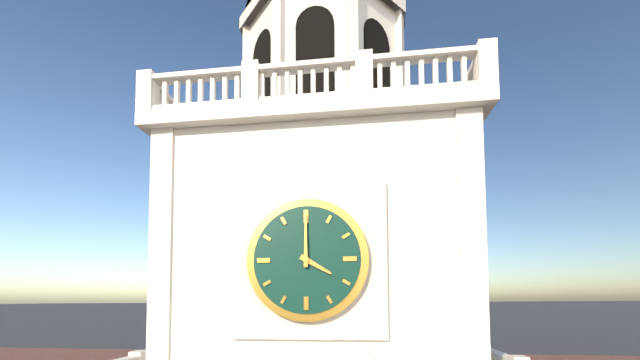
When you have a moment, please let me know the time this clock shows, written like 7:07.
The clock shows 4:00
